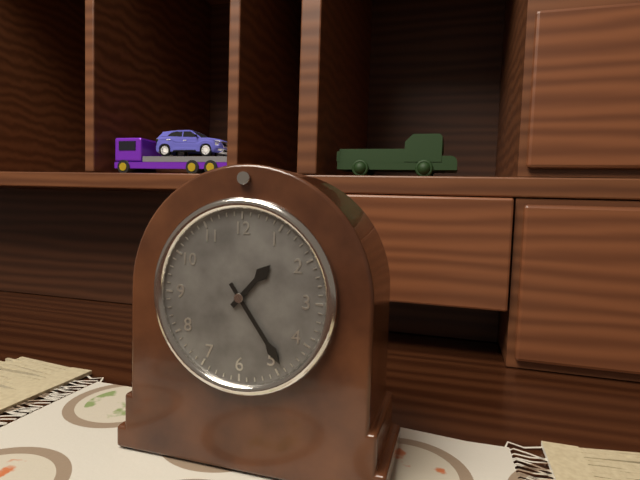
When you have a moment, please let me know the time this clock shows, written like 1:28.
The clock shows 1:24
